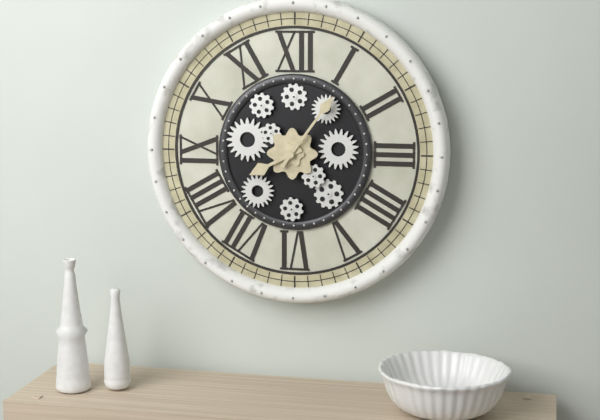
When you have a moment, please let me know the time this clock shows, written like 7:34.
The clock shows 8:06
